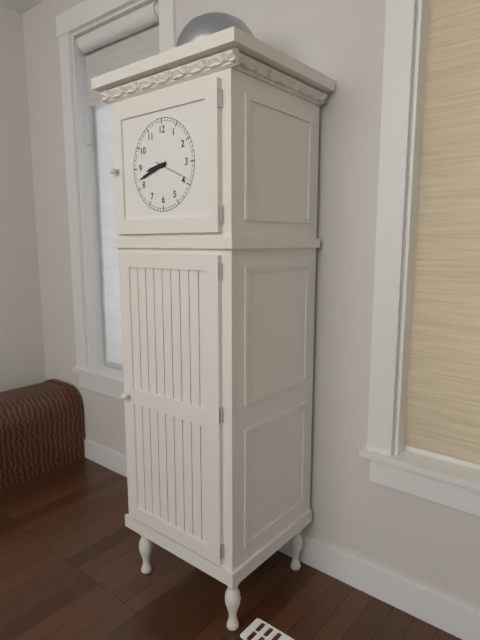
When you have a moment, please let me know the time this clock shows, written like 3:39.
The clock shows 8:42
